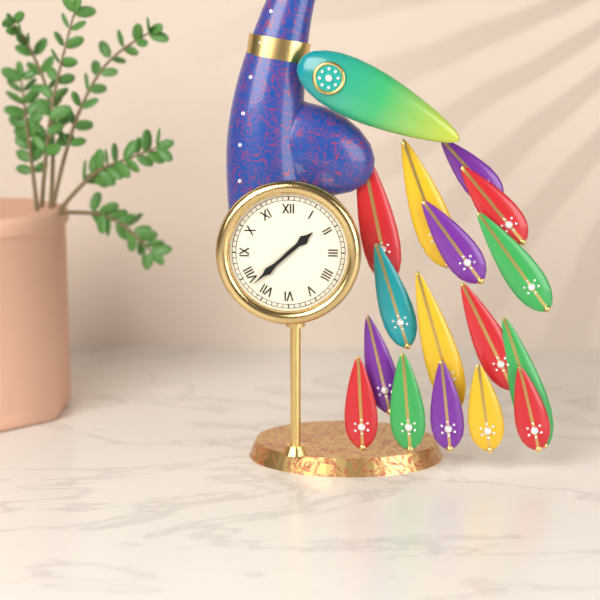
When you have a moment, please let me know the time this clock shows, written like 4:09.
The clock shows 1:38
